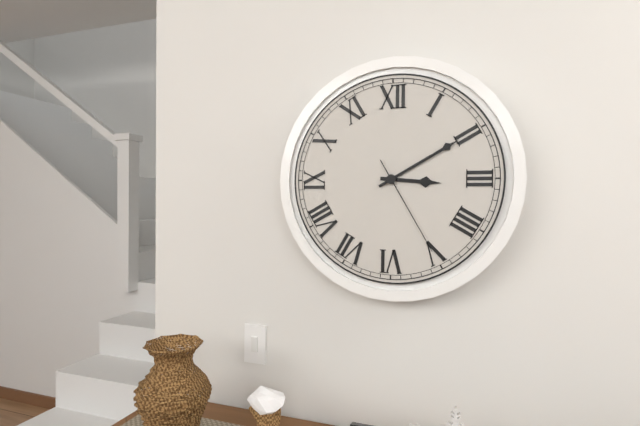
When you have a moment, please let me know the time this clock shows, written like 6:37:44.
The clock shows 3:10:25
